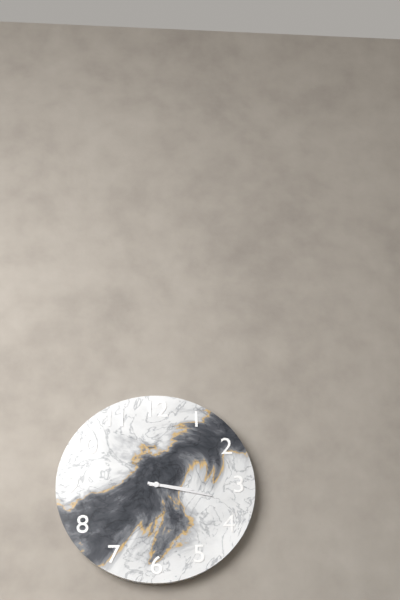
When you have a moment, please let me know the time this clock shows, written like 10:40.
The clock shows 3:17
